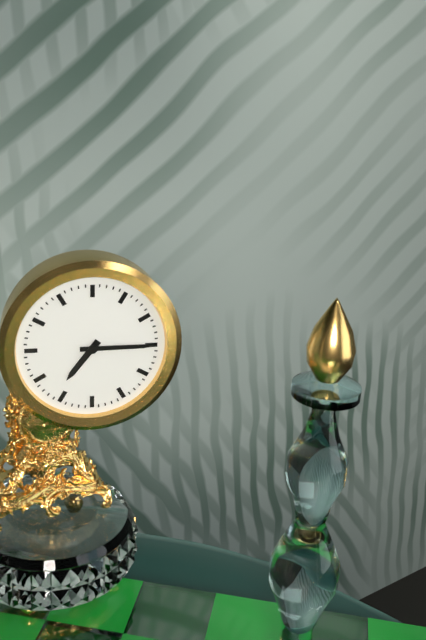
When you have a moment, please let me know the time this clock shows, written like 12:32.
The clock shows 7:15
